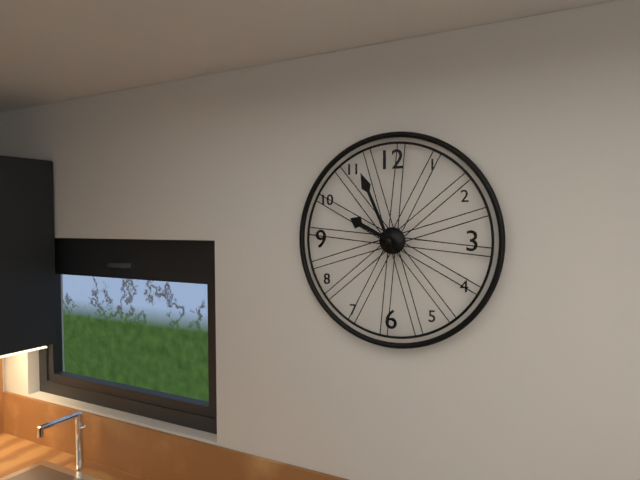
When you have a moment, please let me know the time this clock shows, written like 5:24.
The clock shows 9:56
